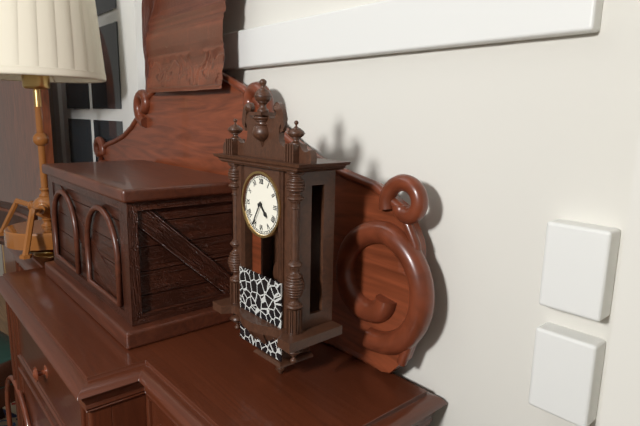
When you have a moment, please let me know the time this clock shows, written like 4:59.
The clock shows 4:35
